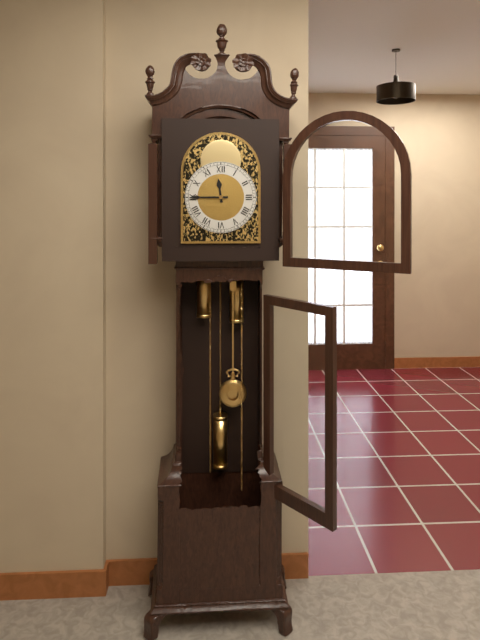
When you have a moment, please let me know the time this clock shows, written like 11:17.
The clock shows 11:45
